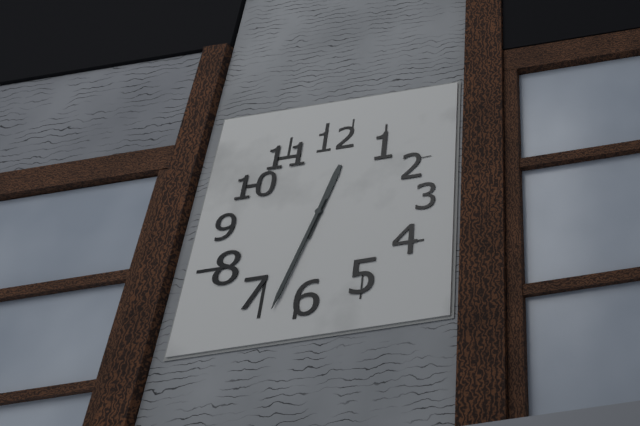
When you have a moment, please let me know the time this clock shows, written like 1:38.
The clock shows 12:33
